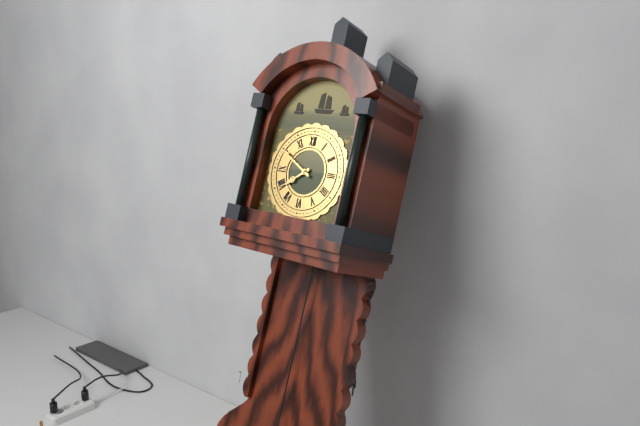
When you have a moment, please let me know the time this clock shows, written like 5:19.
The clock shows 7:50
